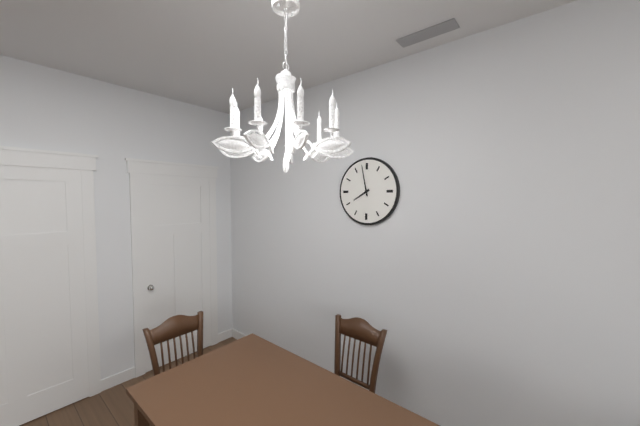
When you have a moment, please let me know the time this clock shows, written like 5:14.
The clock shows 7:58
